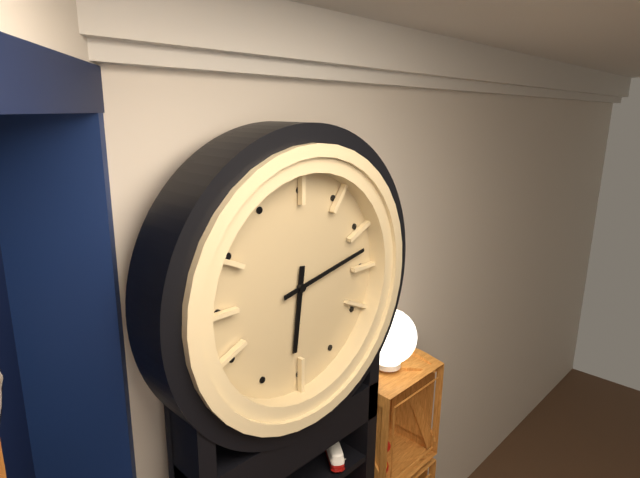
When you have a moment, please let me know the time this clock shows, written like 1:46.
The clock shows 6:13
